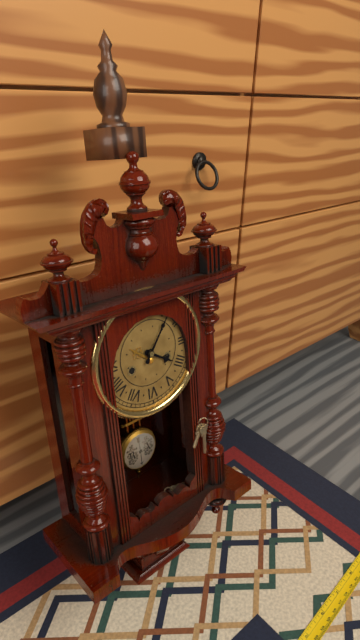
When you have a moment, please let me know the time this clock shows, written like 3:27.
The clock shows 4:06
